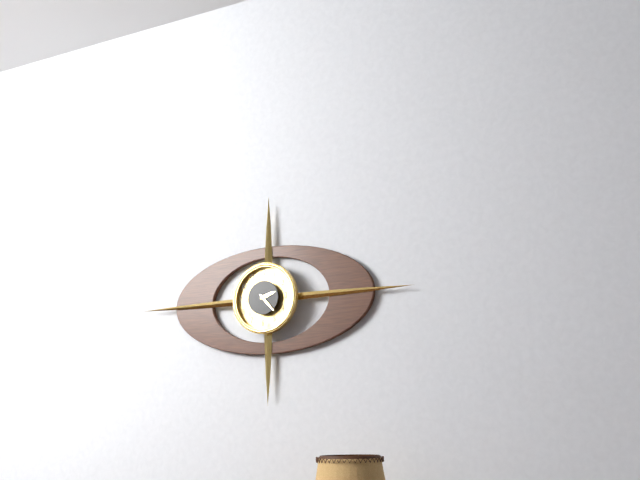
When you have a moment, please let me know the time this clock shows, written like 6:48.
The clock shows 2:23
